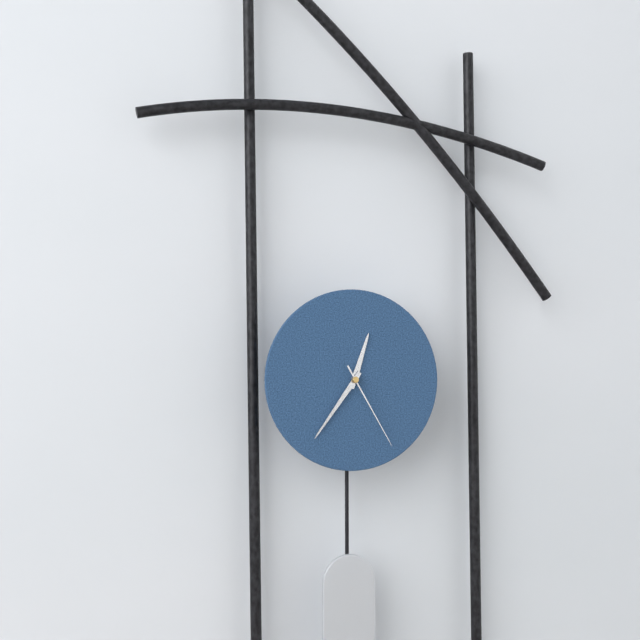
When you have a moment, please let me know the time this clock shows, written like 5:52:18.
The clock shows 12:36:25
